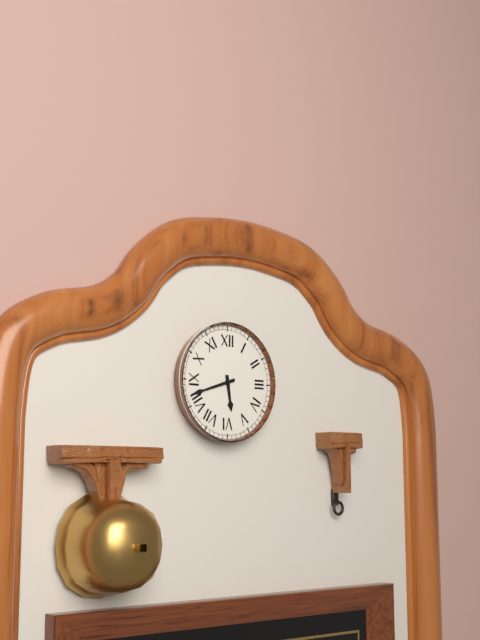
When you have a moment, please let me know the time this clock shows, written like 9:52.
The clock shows 5:42
